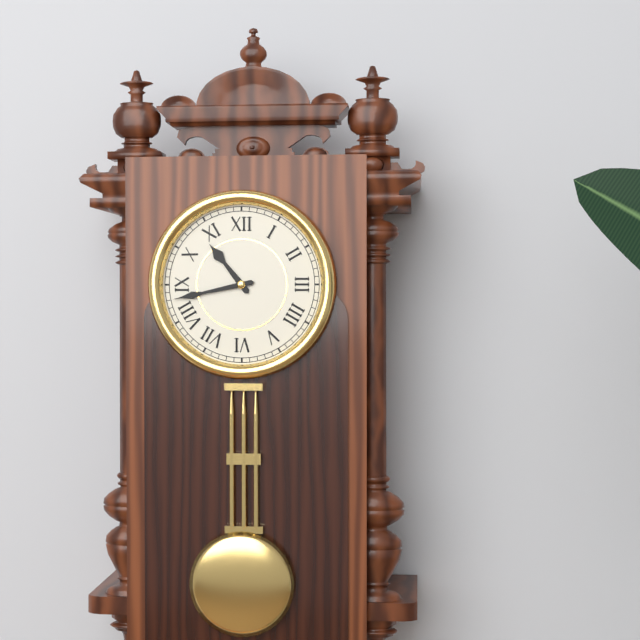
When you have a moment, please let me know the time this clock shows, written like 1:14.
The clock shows 10:43
